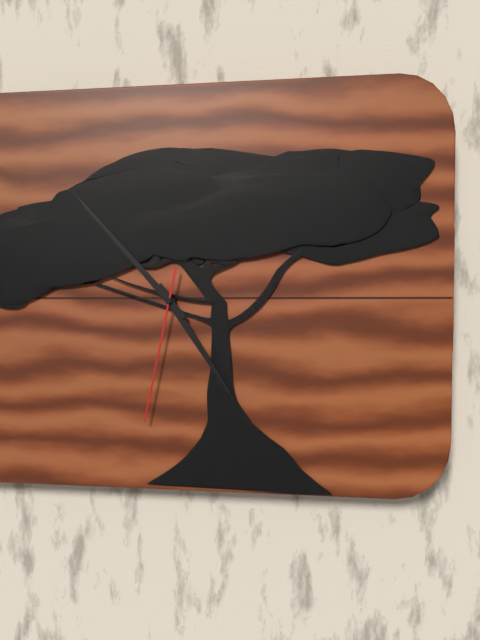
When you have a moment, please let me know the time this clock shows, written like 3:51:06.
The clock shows 4:53:32
